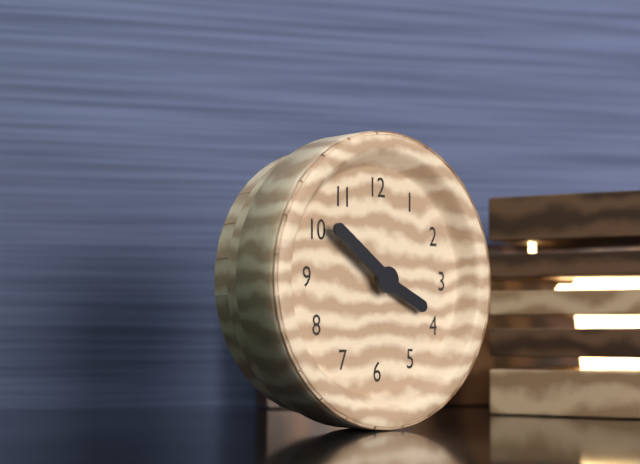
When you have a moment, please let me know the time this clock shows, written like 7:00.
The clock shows 3:51
